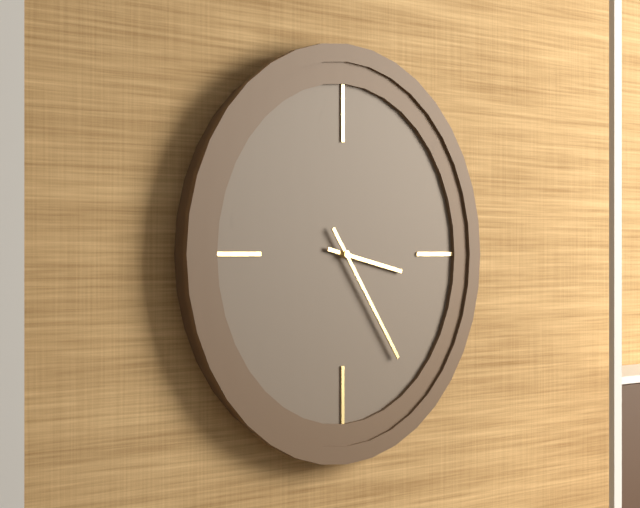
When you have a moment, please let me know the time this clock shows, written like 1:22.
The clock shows 3:24
